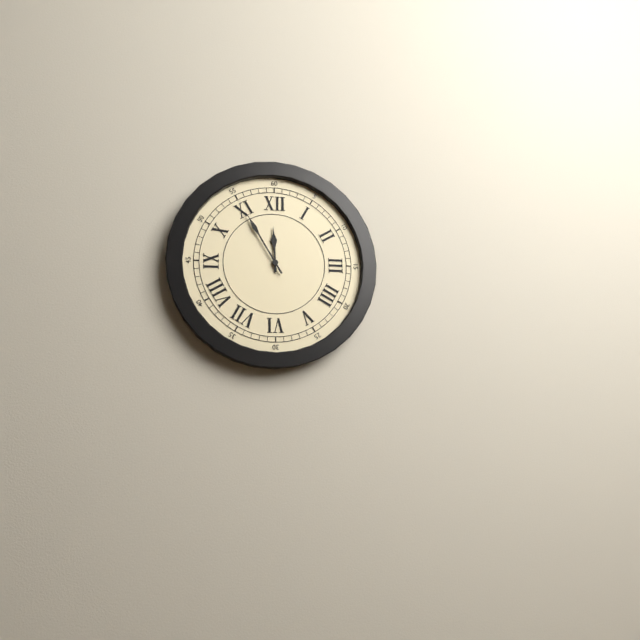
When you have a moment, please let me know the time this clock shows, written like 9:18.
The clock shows 11:55
